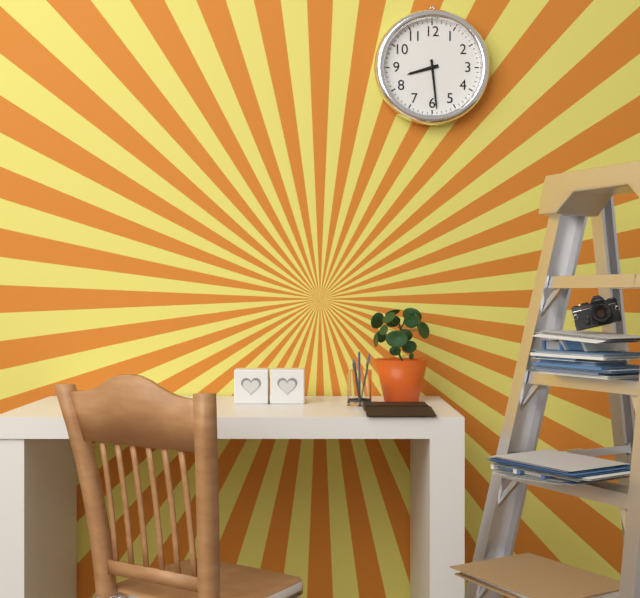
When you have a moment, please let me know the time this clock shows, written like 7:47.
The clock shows 8:29
